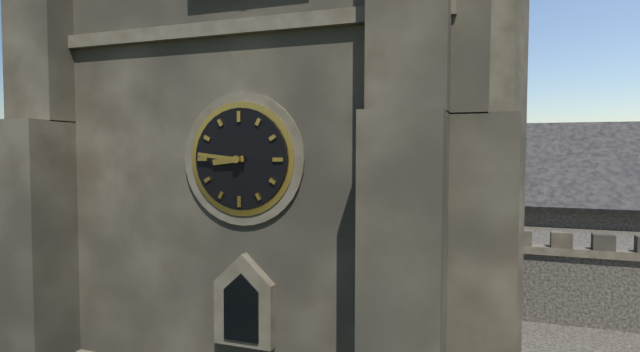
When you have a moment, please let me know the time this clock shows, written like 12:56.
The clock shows 8:46
